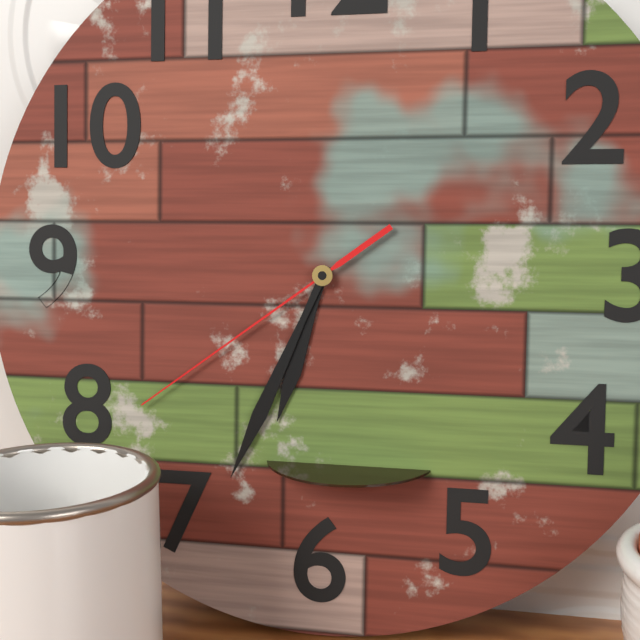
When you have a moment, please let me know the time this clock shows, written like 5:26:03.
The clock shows 6:34:39
